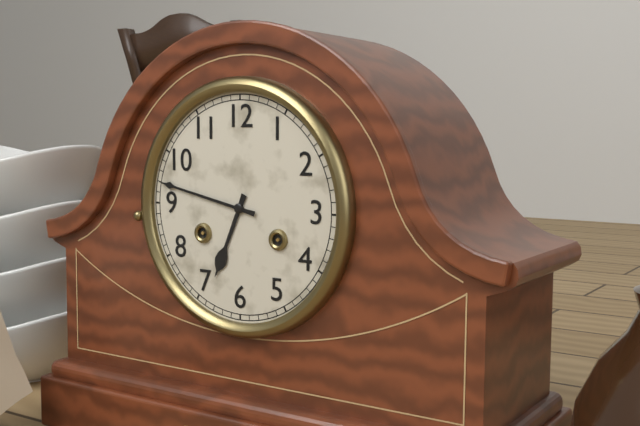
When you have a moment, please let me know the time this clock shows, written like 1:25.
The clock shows 6:47
